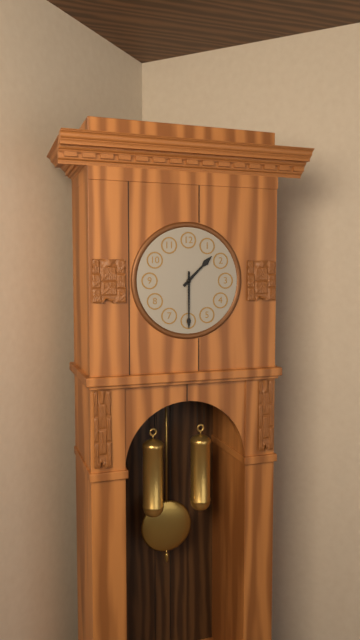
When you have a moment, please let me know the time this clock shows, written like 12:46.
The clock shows 1:30
